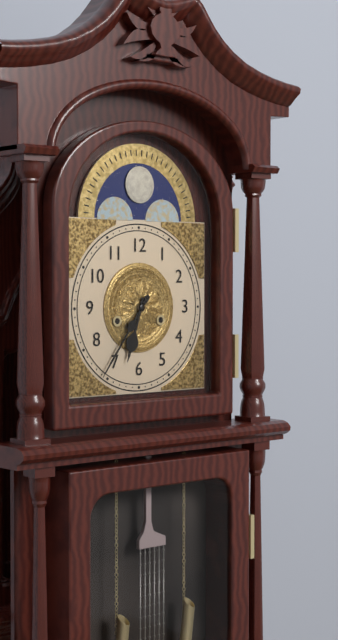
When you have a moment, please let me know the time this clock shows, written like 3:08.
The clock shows 6:36
